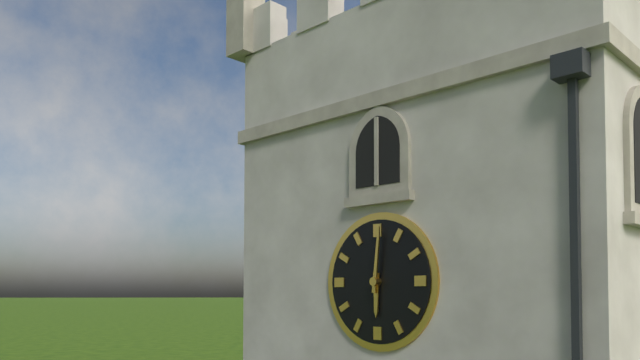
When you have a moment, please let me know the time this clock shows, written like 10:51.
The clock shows 6:01
